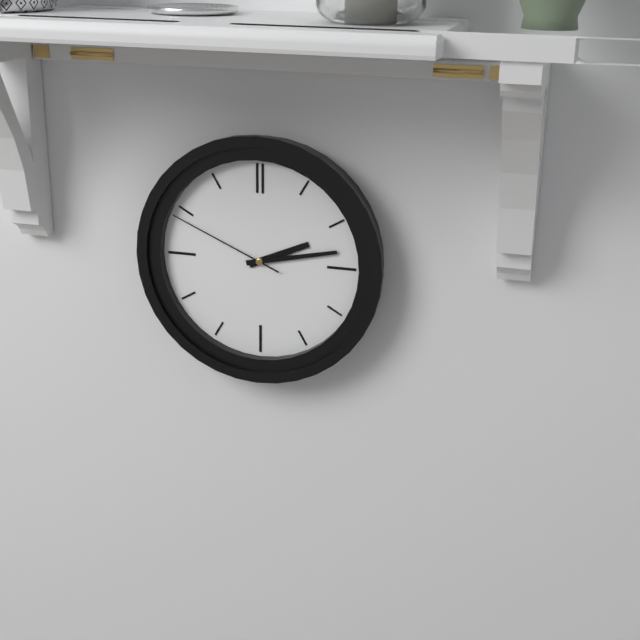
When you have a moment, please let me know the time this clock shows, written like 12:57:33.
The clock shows 2:13:49
